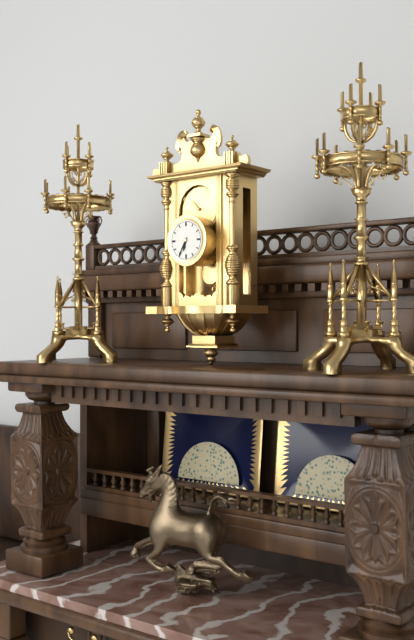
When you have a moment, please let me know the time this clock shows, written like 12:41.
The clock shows 6:35
